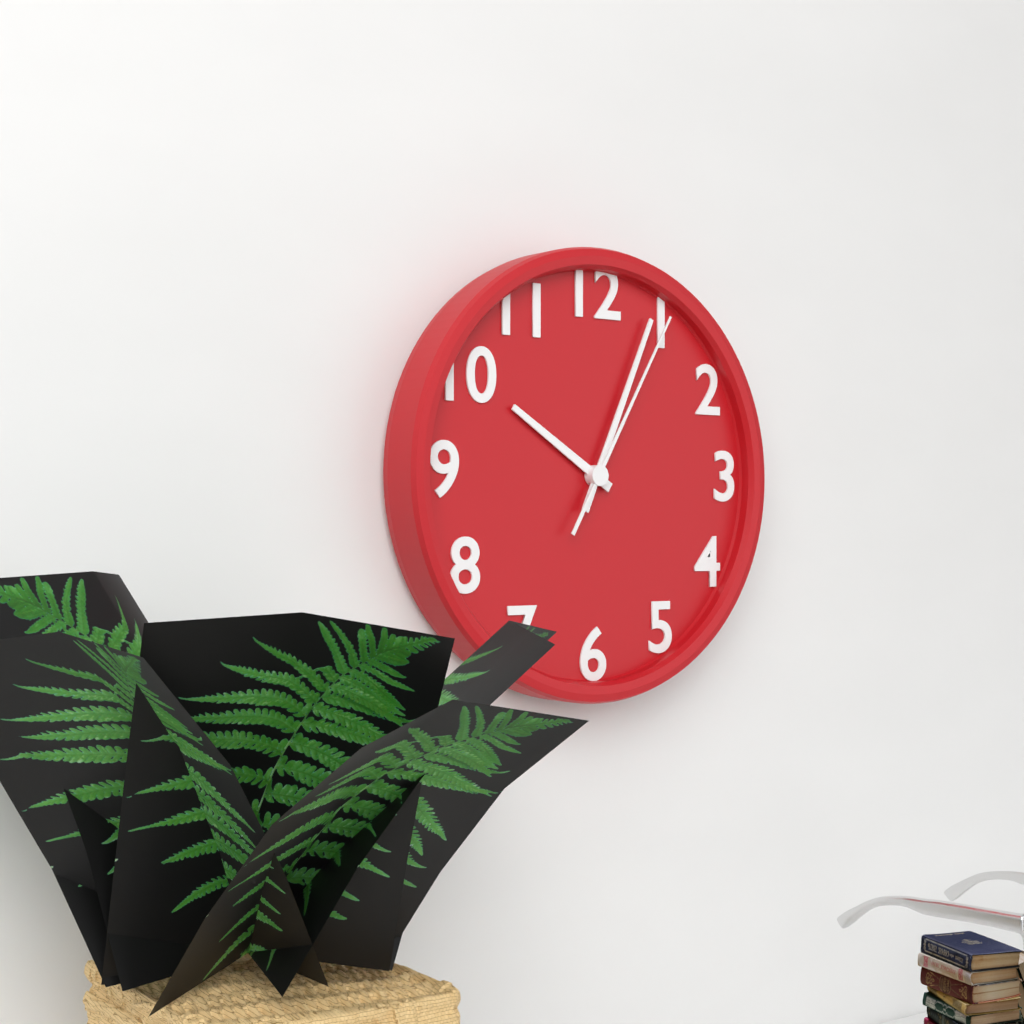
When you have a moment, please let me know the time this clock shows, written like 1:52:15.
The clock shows 10:04:05
